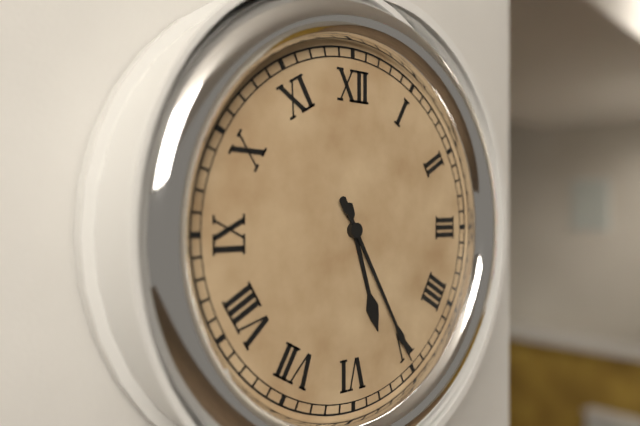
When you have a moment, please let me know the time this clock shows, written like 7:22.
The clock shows 5:25
